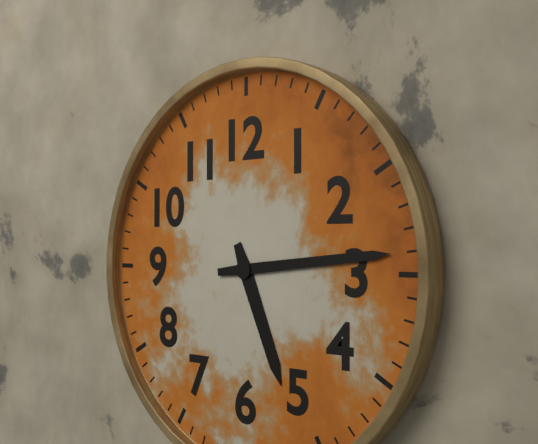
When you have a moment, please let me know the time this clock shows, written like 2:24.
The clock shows 5:14
